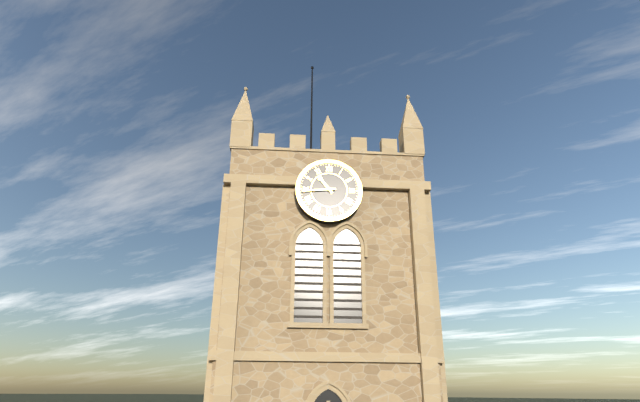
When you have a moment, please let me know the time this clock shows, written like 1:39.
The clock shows 10:44
